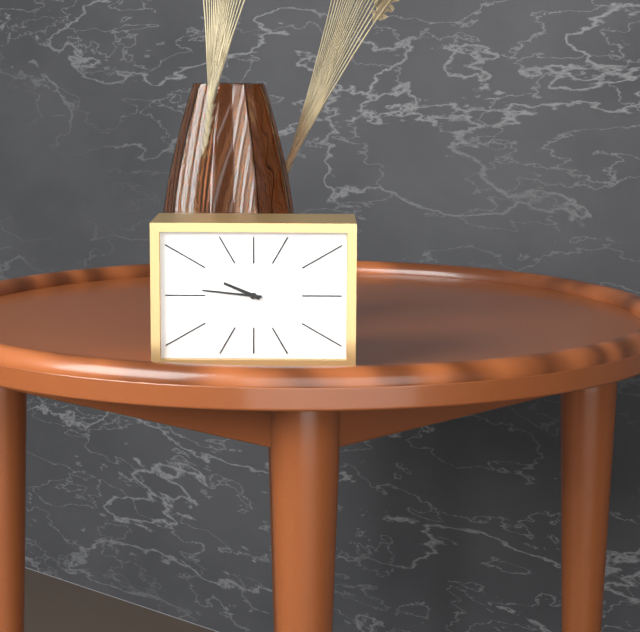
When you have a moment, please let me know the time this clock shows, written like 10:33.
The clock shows 9:46
